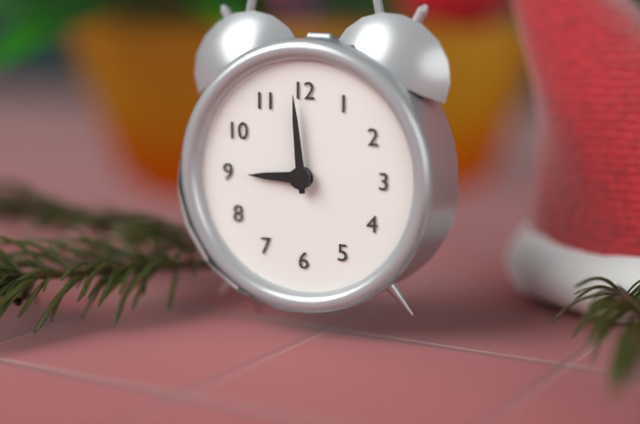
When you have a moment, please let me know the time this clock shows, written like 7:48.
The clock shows 8:59
